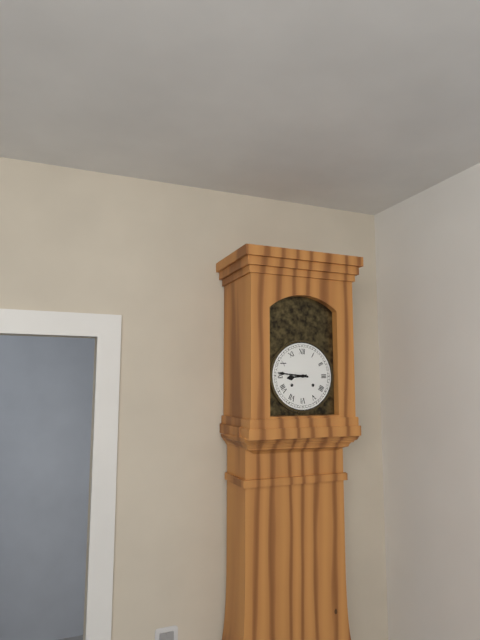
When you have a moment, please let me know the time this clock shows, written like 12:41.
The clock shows 8:46
